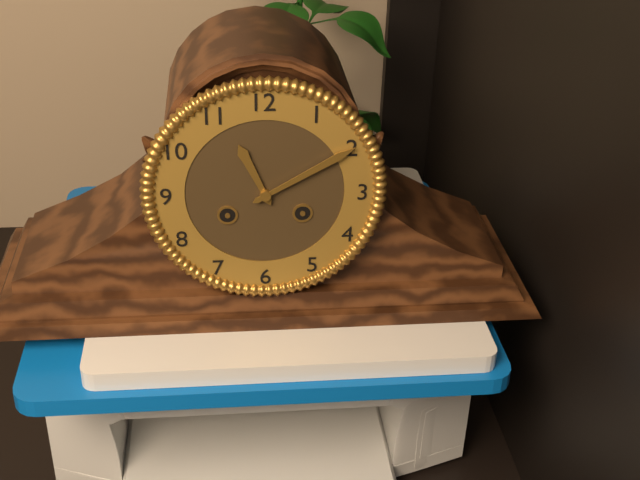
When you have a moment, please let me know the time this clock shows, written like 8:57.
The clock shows 11:10
